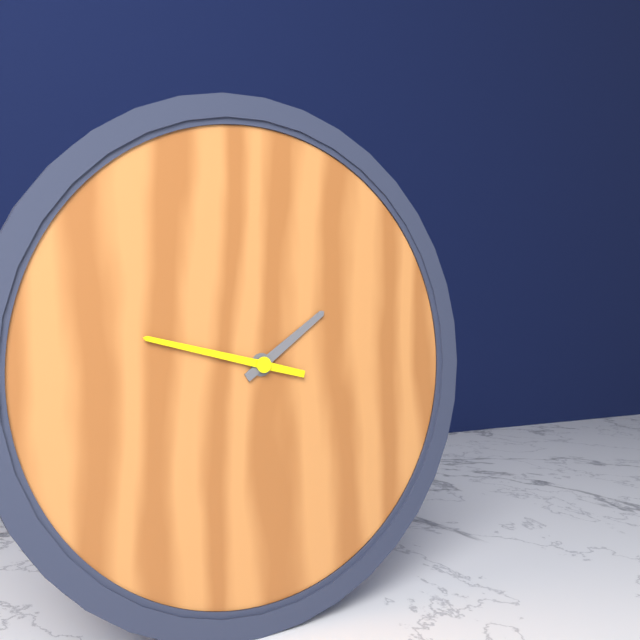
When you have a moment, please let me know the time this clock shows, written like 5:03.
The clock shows 1:47
